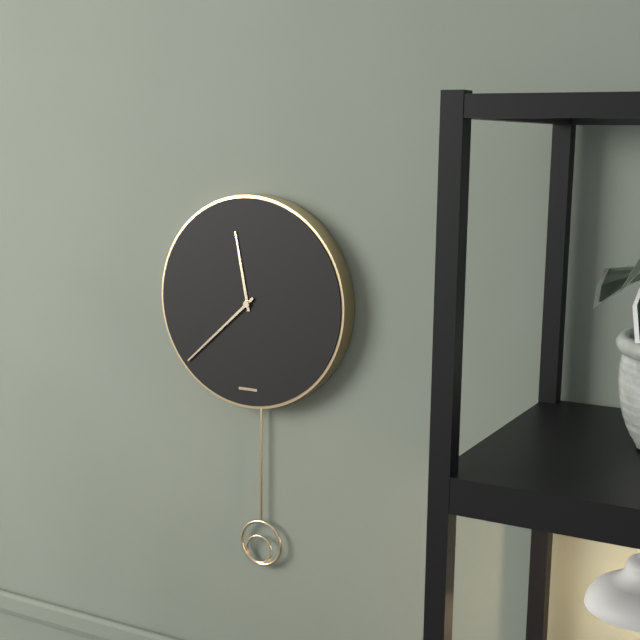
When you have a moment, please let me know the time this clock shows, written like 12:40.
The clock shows 11:38
